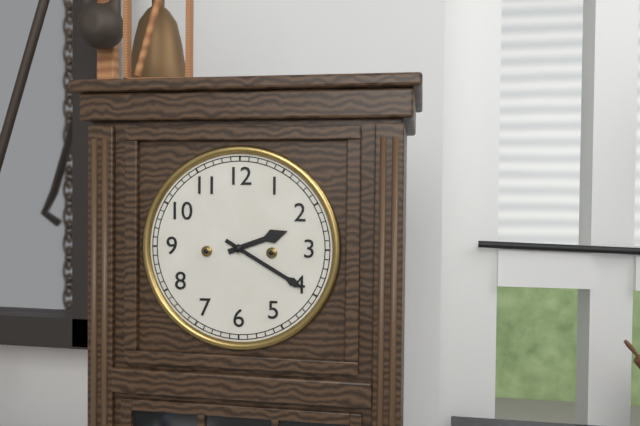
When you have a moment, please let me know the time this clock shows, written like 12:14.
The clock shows 2:20
